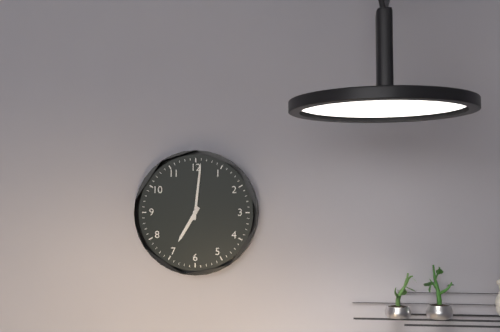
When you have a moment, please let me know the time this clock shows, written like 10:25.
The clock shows 7:01
